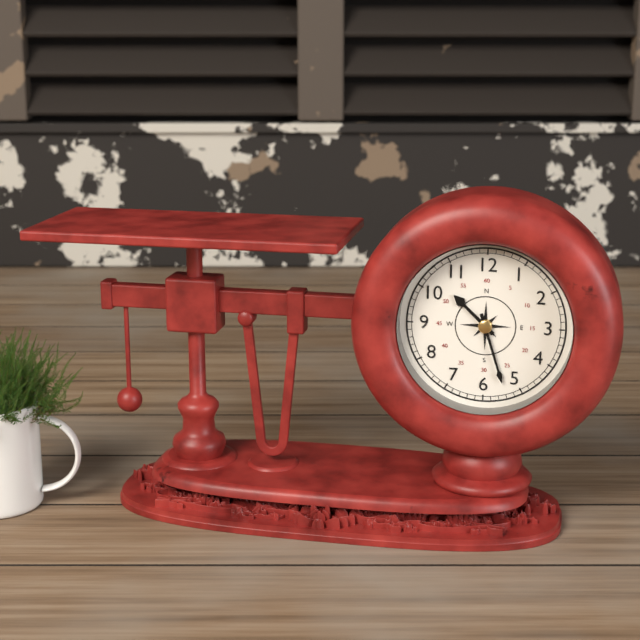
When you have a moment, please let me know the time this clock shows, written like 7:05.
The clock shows 10:27
